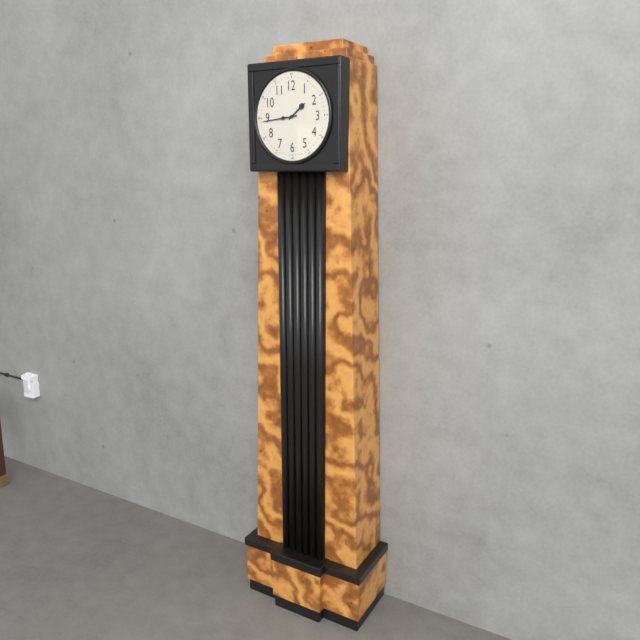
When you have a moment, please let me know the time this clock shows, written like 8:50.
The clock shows 1:44
